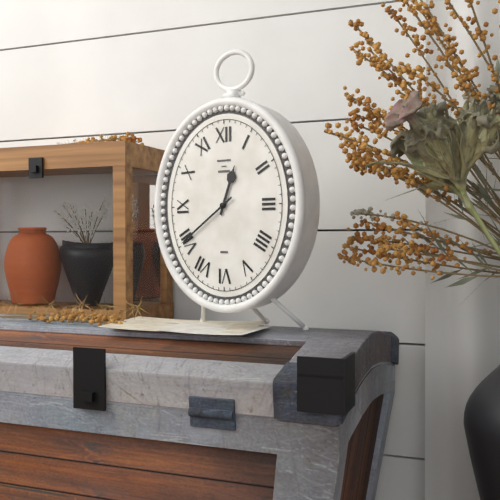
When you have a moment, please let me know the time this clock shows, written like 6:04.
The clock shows 12:39
